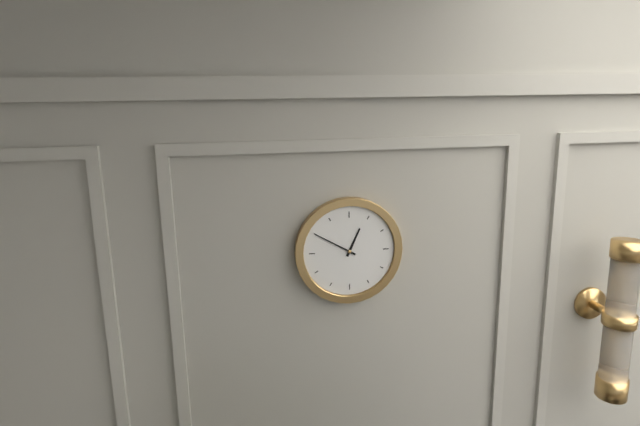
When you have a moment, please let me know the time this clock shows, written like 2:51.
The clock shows 12:50
